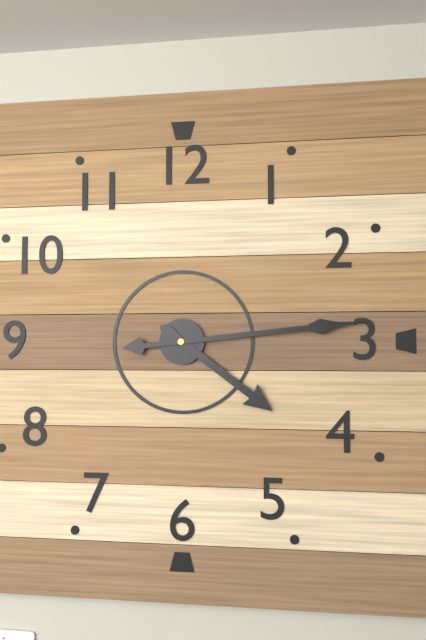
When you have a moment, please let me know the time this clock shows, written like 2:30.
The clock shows 4:14
